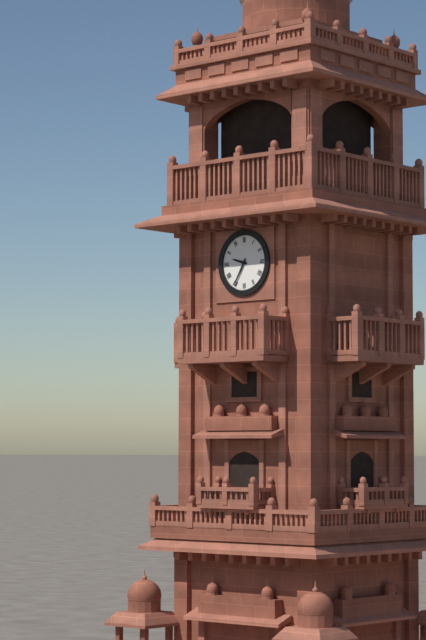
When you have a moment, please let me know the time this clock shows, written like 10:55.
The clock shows 9:35
